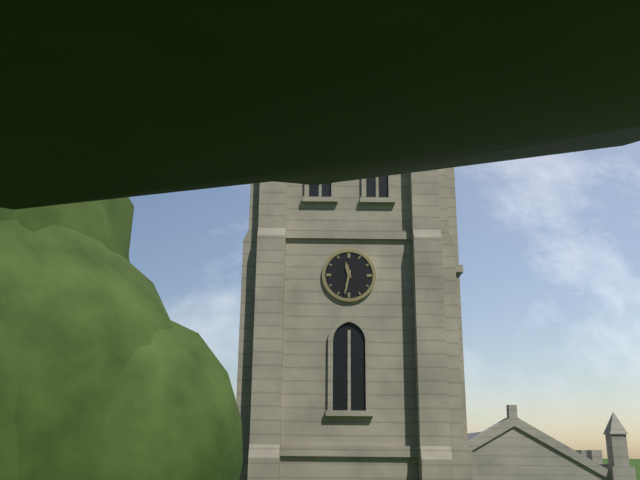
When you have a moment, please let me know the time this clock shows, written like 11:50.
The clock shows 11:32
